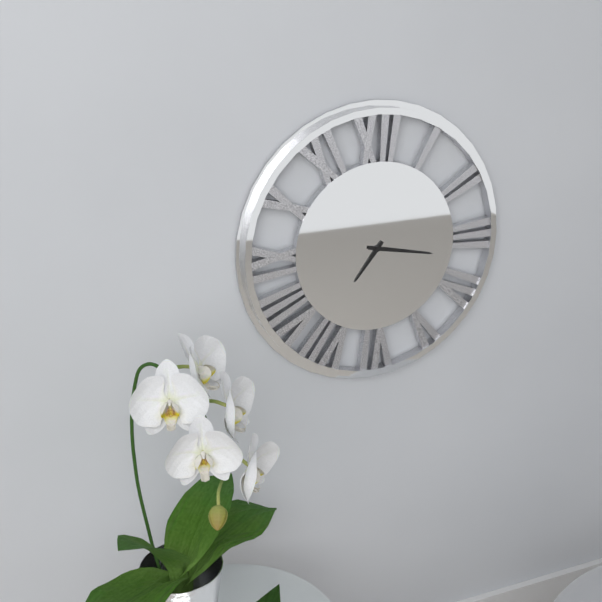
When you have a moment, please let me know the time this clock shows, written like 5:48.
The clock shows 7:17
